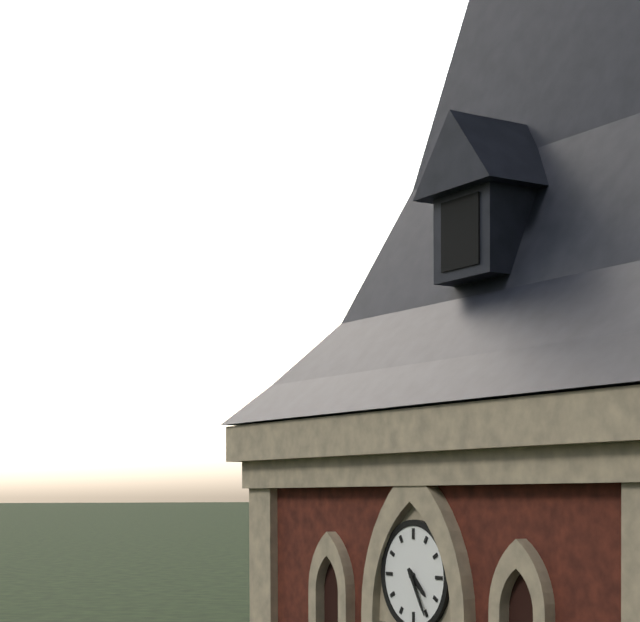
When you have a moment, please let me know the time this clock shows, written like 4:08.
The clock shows 4:25
